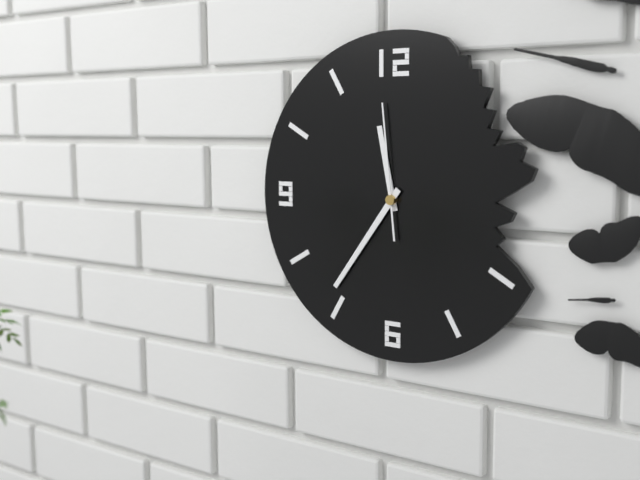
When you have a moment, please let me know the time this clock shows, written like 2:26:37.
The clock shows 11:36:59
